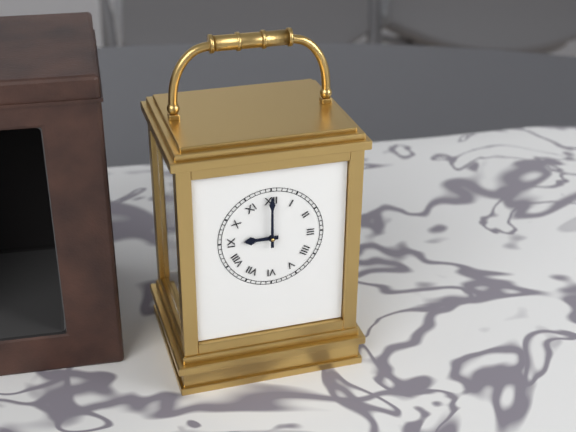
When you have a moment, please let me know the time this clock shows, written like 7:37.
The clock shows 9:00
